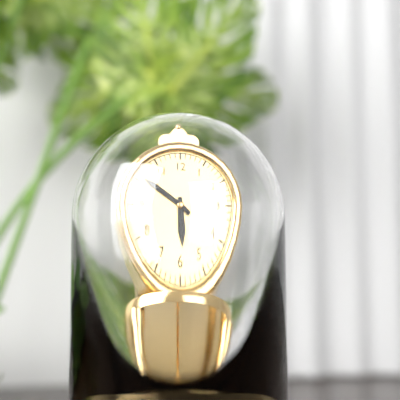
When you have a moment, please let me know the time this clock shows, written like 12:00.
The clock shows 5:51
